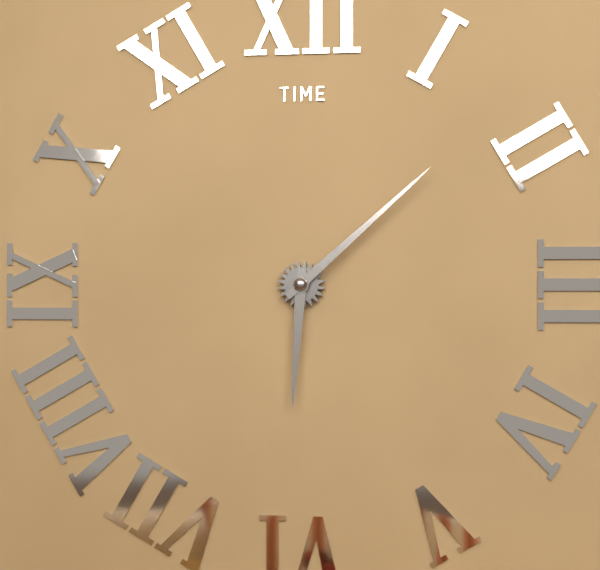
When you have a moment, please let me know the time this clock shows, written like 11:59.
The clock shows 6:08
